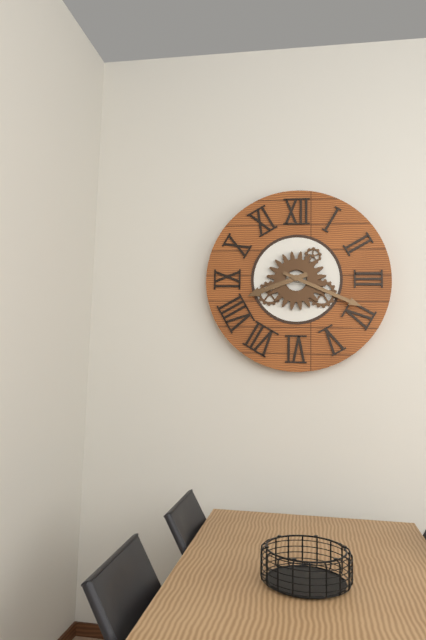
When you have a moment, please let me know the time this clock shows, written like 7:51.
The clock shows 8:19
